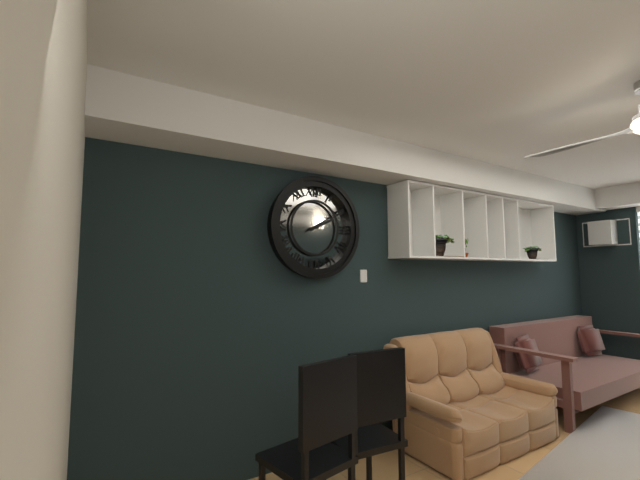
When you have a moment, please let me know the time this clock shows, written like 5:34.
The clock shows 2:10
